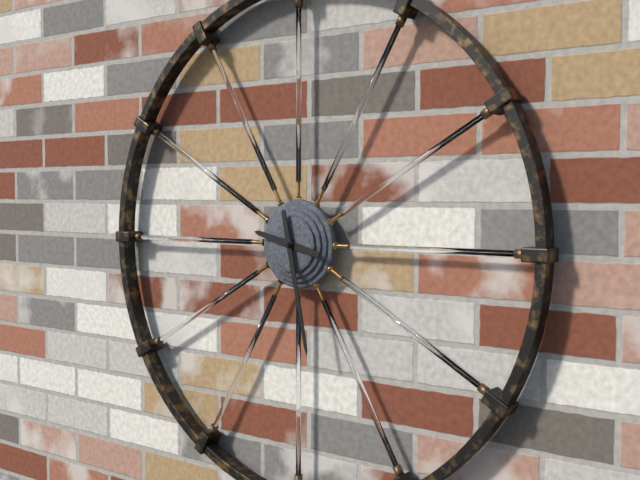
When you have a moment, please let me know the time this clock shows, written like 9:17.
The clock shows 9:28
